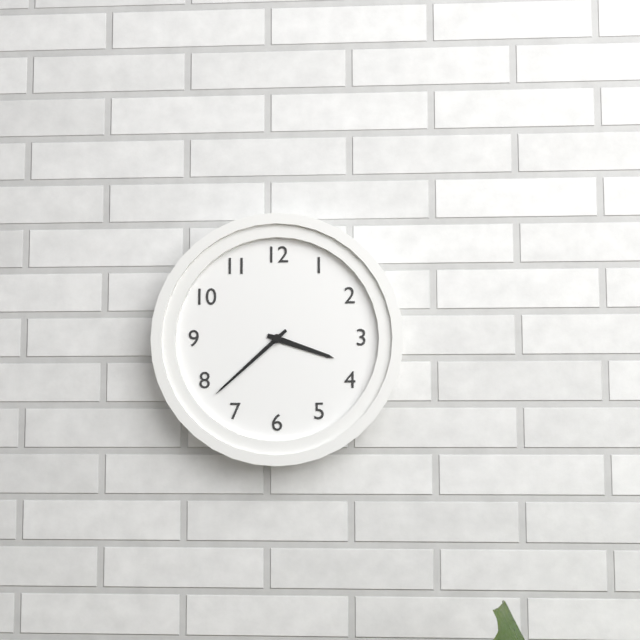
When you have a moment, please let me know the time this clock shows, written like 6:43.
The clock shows 3:38
